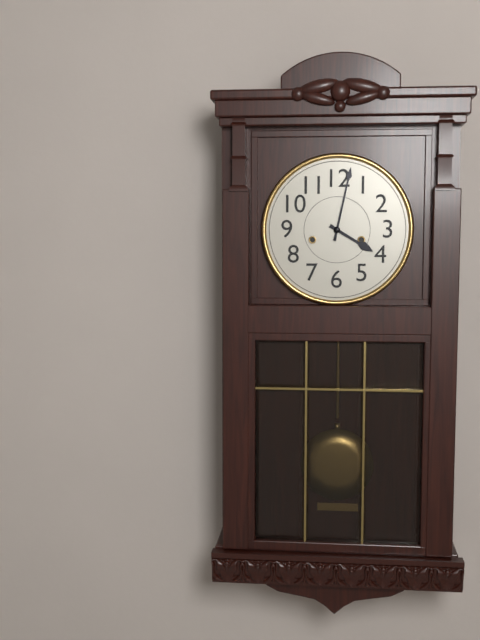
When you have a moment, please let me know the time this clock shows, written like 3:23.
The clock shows 4:02
